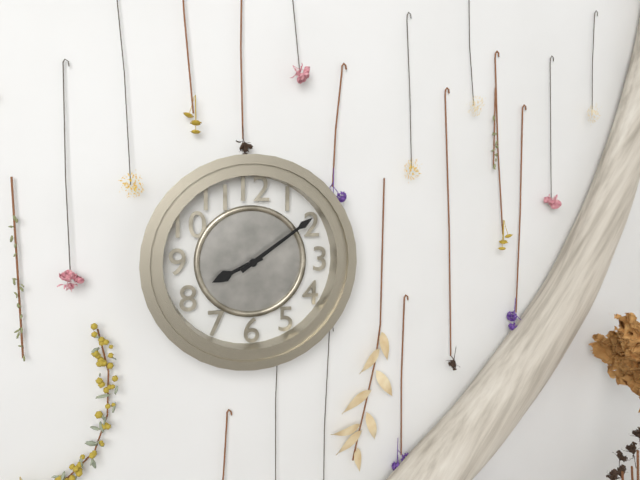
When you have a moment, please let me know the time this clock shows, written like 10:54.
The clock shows 8:09
